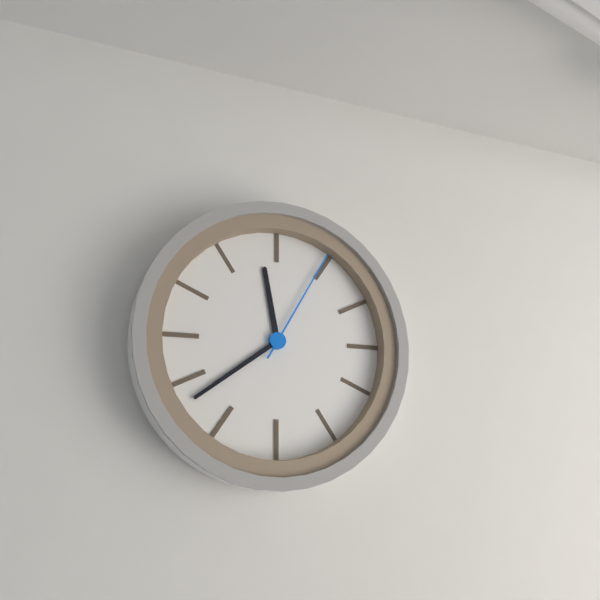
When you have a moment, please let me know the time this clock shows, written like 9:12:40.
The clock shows 11:39:05
